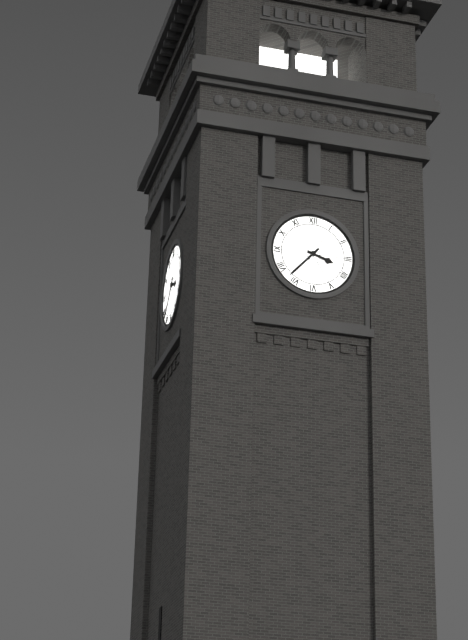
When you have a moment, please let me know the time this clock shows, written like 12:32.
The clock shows 3:37
